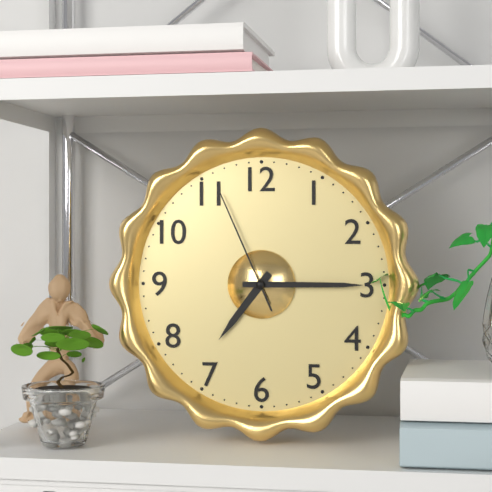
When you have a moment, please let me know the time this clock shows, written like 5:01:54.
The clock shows 7:15:56
